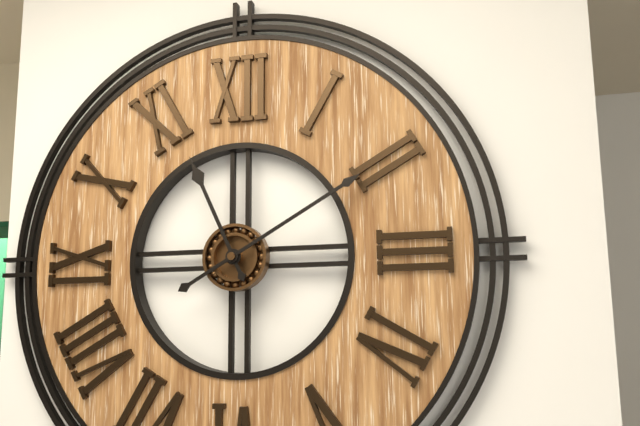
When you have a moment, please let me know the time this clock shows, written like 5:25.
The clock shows 11:10
